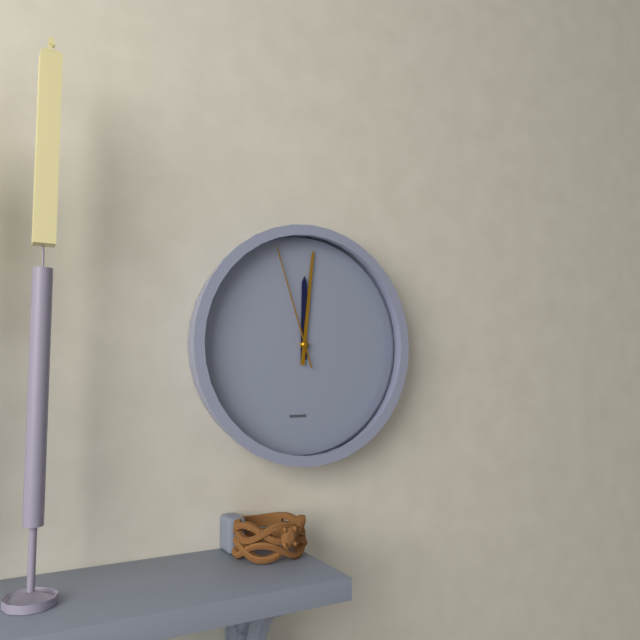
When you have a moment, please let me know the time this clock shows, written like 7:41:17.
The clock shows 12:01:57
